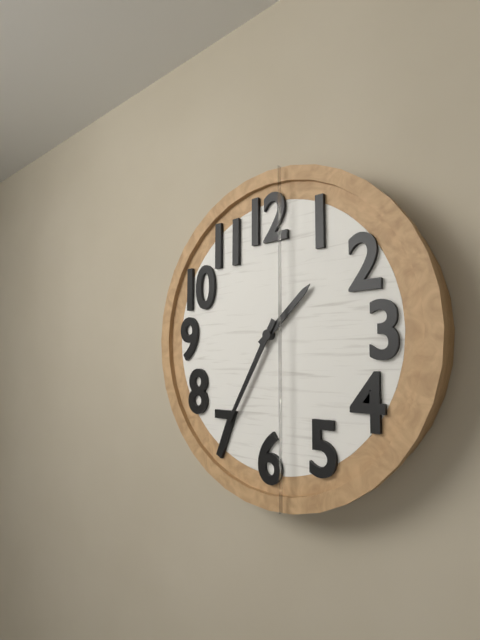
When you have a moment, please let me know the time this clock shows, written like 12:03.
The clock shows 1:35
